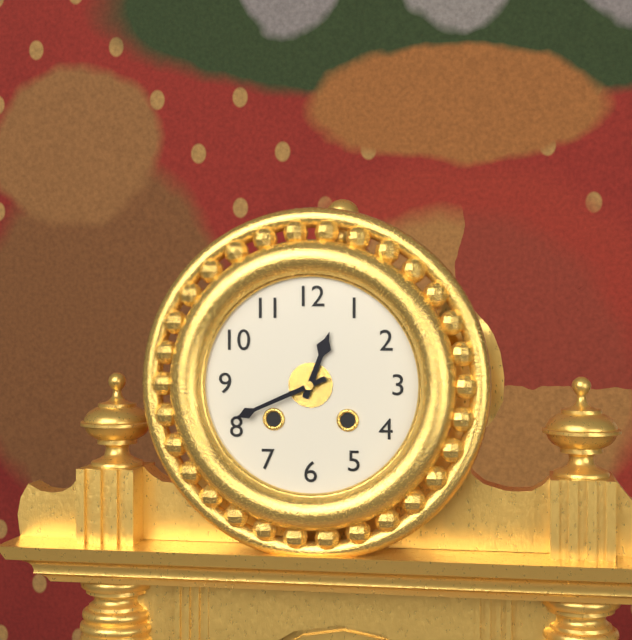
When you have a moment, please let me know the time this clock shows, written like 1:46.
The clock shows 12:41
